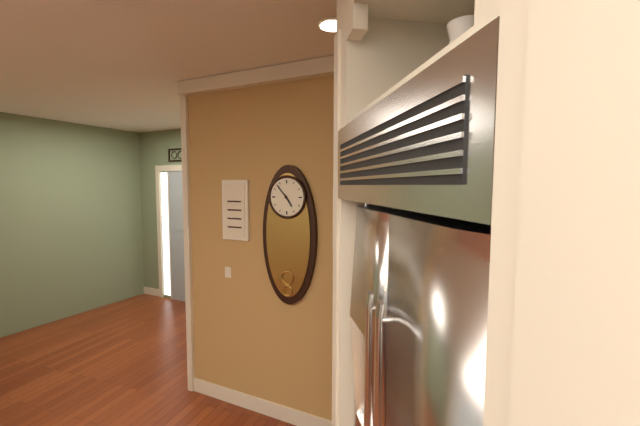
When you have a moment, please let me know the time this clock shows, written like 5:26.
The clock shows 4:53
